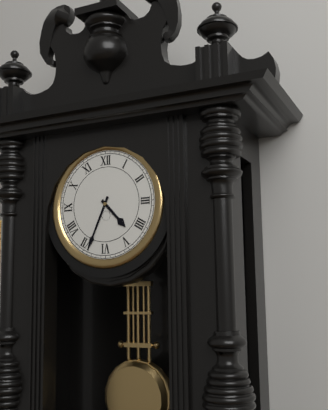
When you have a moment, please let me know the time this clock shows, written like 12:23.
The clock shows 4:34
